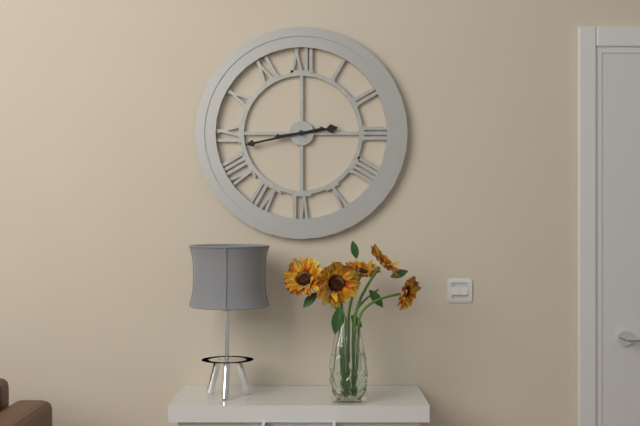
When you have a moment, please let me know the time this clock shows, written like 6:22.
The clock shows 2:43
